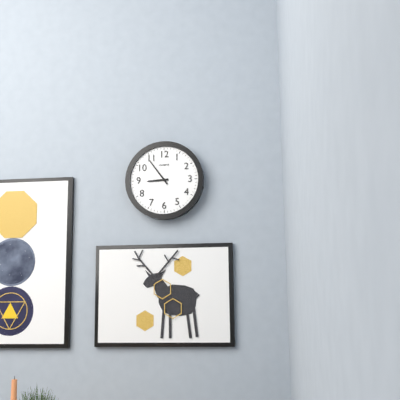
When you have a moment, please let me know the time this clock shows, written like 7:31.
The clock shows 8:54
